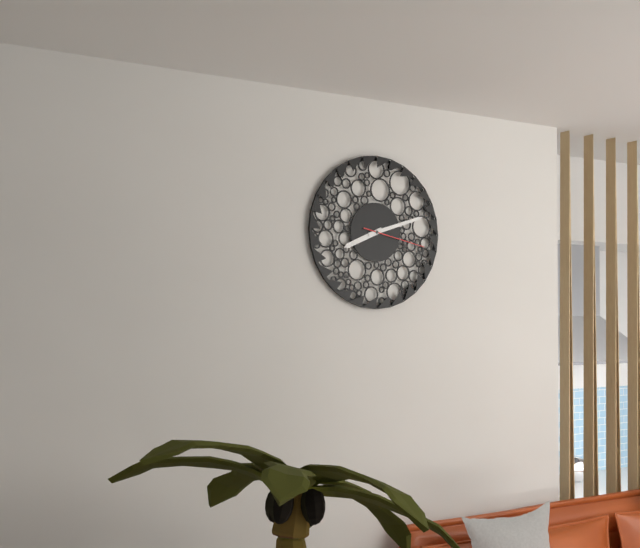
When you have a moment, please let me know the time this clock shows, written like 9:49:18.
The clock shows 8:12:17
